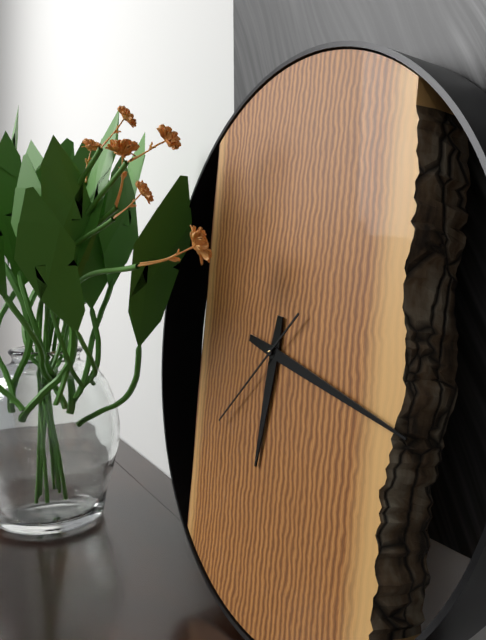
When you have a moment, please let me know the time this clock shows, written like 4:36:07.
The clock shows 6:17:38
